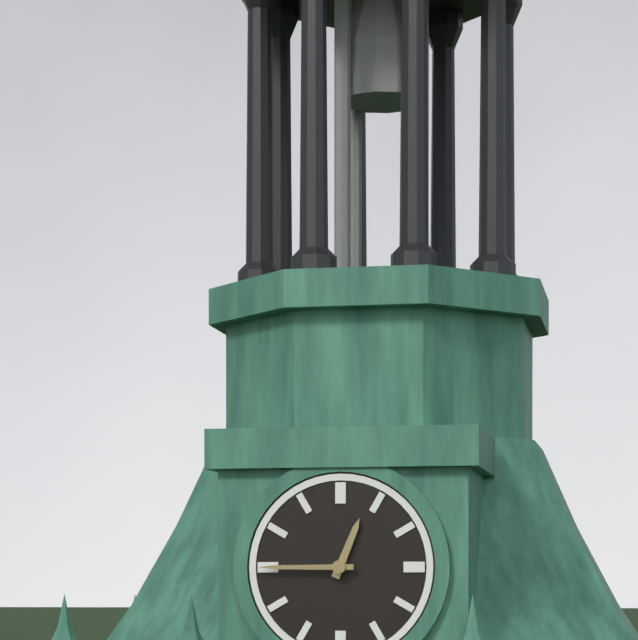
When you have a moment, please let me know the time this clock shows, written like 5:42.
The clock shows 12:45
